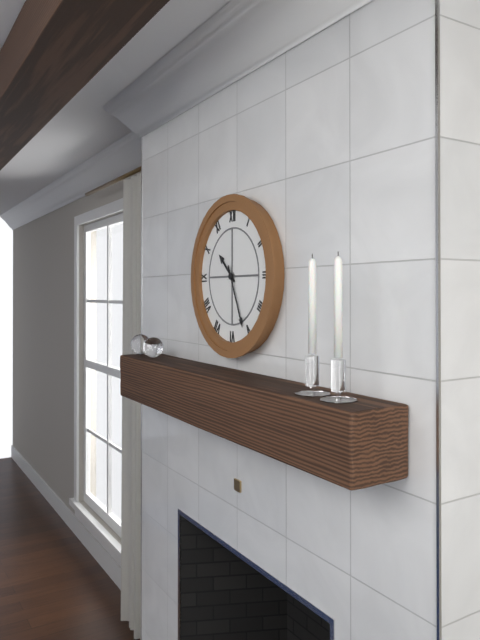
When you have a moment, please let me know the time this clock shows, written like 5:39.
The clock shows 10:26
